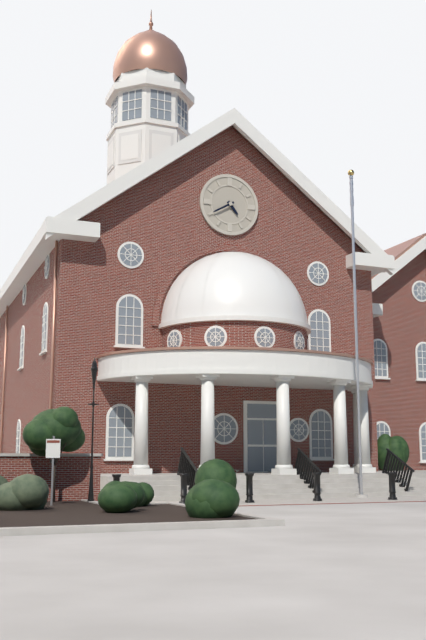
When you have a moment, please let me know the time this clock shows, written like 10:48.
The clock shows 4:40
